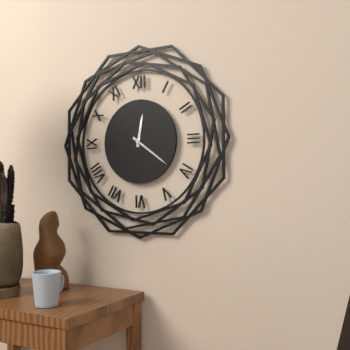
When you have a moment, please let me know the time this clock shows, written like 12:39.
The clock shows 12:21
